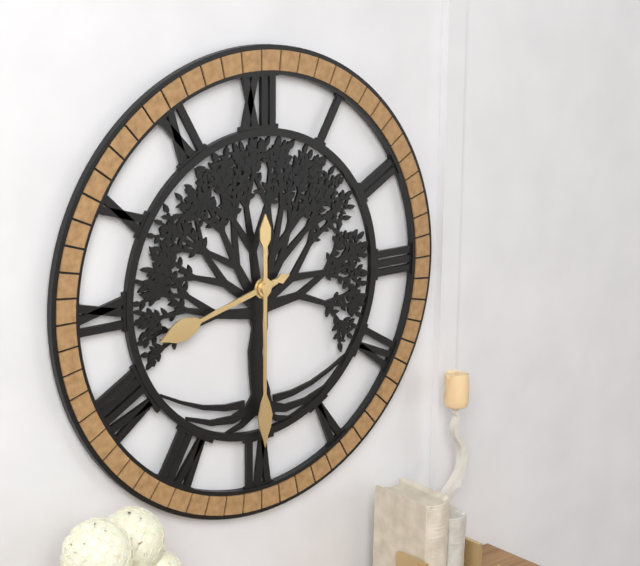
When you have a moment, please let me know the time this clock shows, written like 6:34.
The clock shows 8:30
